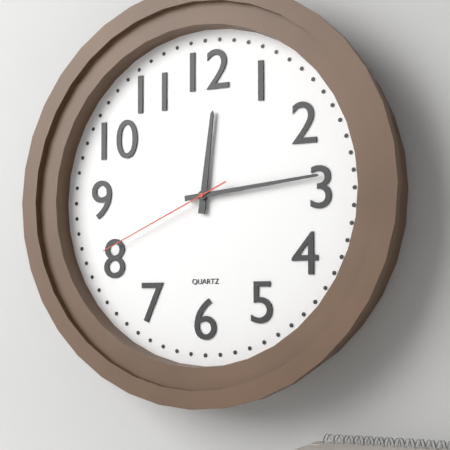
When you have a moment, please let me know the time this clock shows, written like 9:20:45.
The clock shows 12:14:41
